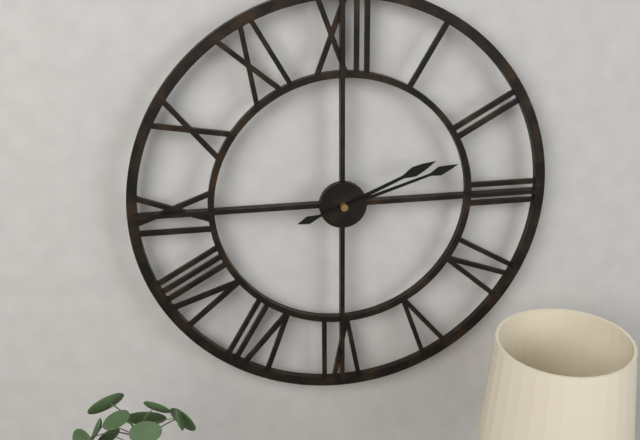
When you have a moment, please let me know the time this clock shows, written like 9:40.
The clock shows 2:12
